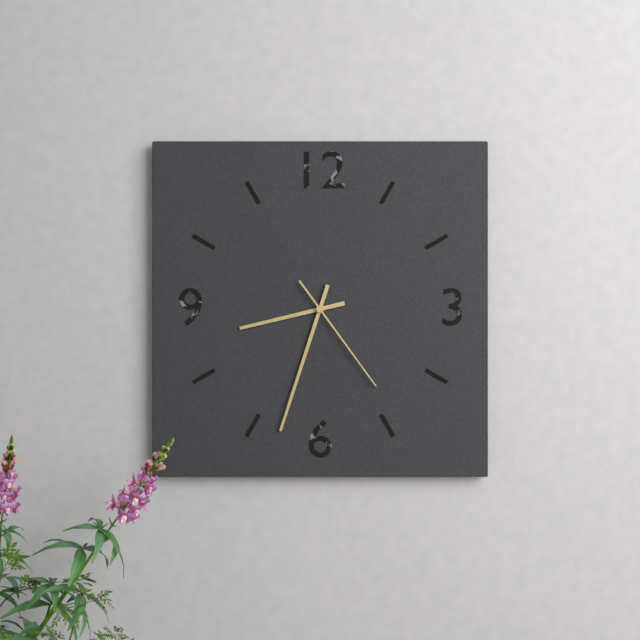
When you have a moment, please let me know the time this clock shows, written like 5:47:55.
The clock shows 8:33:24
